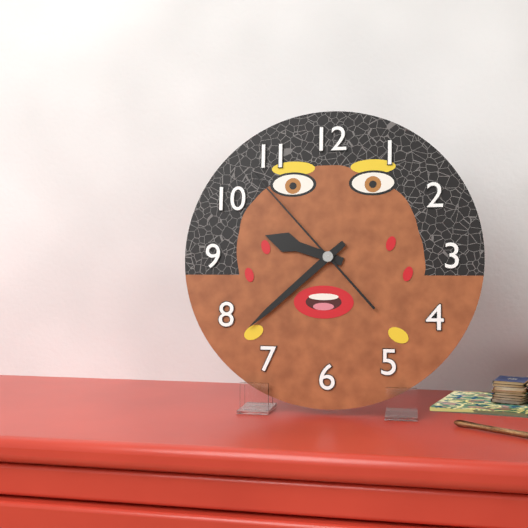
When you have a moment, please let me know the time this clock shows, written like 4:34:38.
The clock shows 9:38:53
